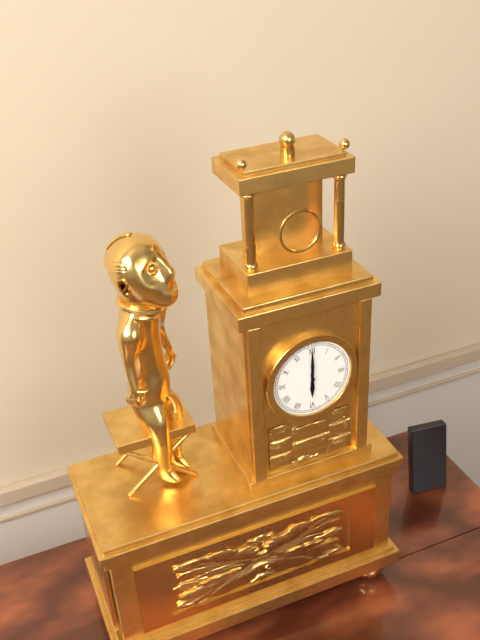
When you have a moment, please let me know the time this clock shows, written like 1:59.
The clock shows 6:00
